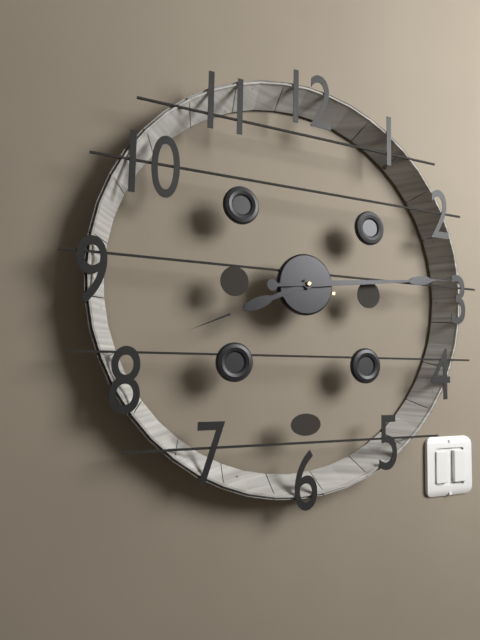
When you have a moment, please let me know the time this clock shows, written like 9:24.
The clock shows 8:14
